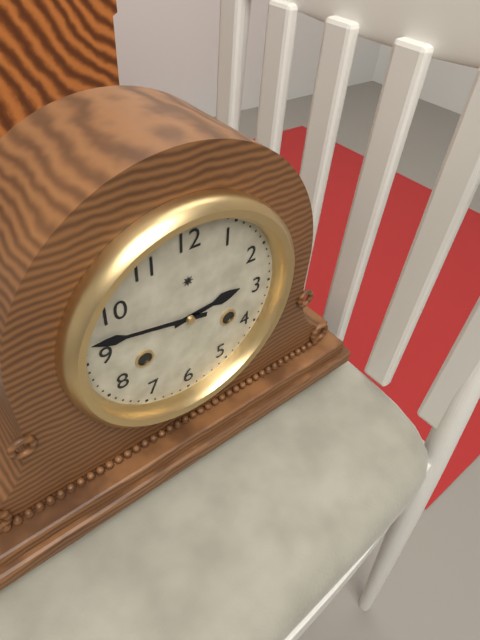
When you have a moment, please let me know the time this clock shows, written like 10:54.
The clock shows 2:47
